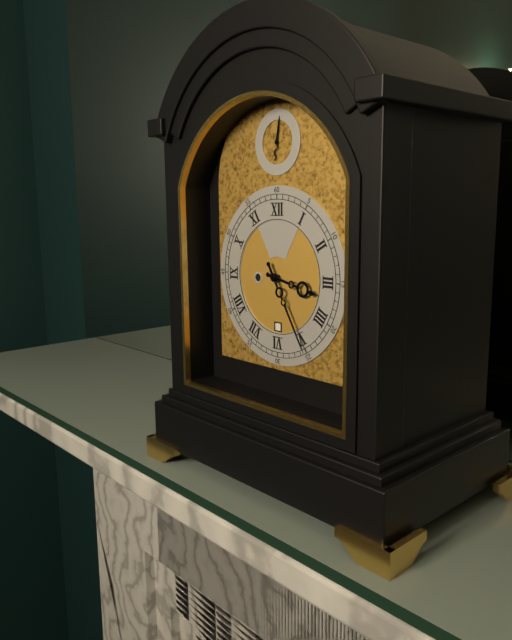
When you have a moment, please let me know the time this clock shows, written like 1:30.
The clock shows 3:25
